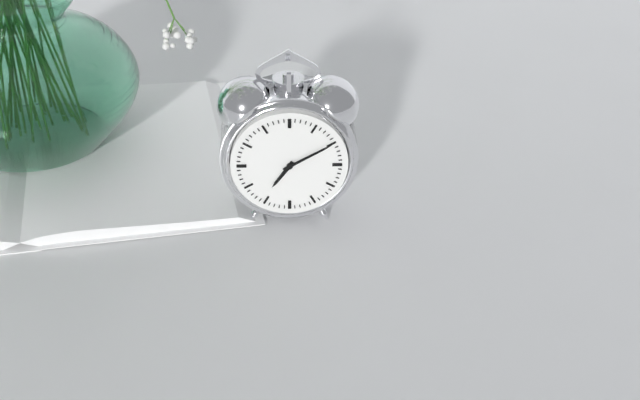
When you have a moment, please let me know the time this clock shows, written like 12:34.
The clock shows 7:10
